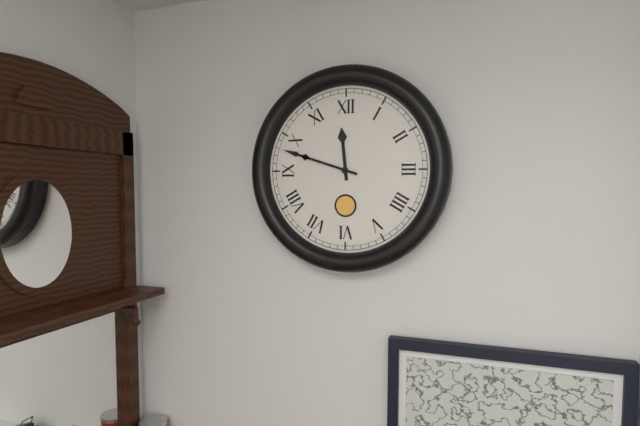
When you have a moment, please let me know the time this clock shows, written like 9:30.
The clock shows 11:48
